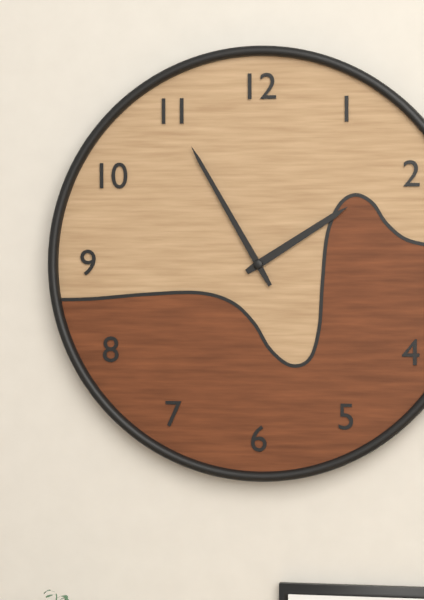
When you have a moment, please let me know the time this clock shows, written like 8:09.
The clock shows 1:55
